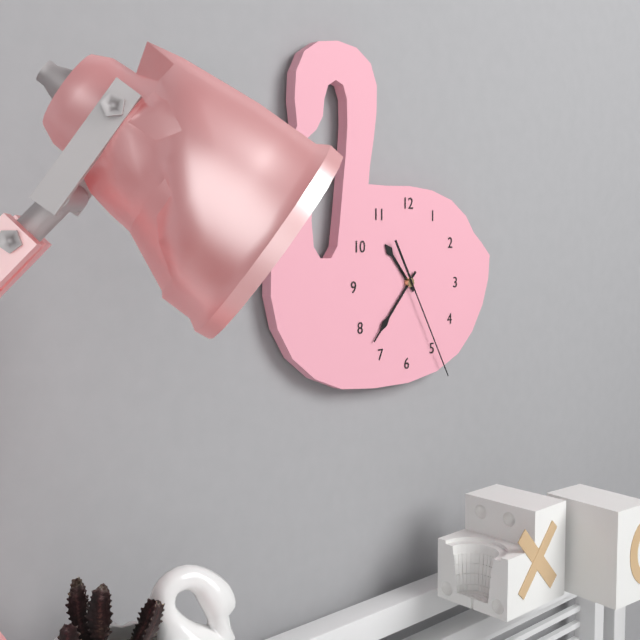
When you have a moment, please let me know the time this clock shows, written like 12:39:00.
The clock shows 10:37:25
